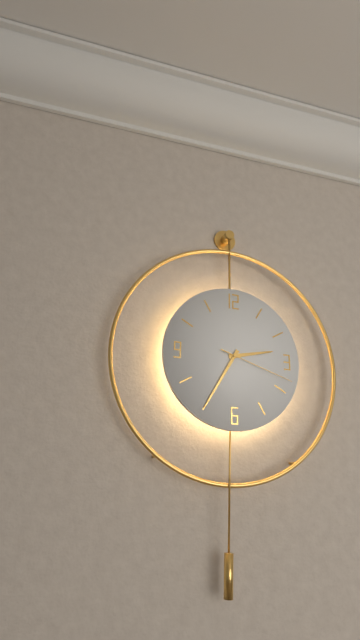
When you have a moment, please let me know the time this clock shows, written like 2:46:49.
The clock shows 2:35:18
